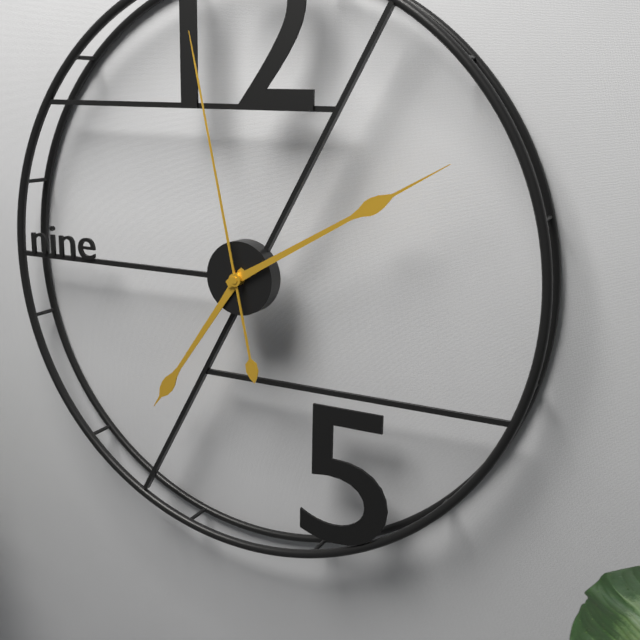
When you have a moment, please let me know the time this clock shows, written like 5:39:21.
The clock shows 7:10:58
